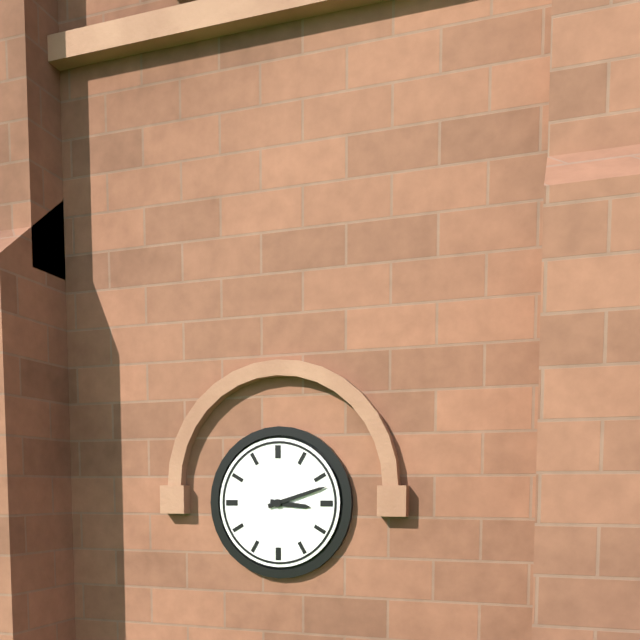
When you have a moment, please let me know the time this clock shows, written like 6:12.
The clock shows 3:12
